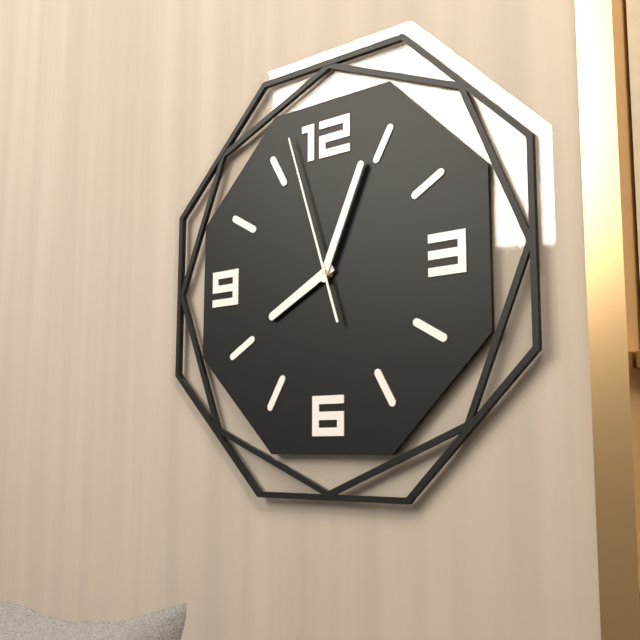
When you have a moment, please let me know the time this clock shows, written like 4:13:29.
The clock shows 8:04:57
